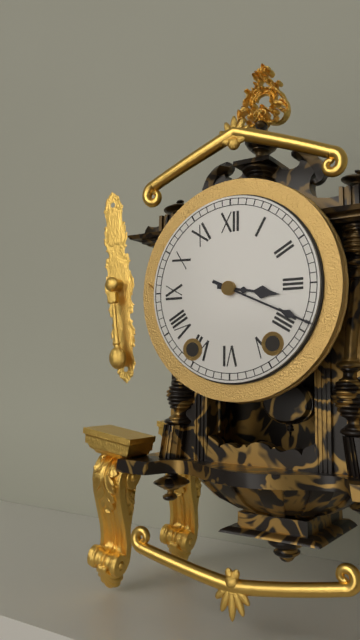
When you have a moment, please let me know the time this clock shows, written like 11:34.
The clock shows 3:19
